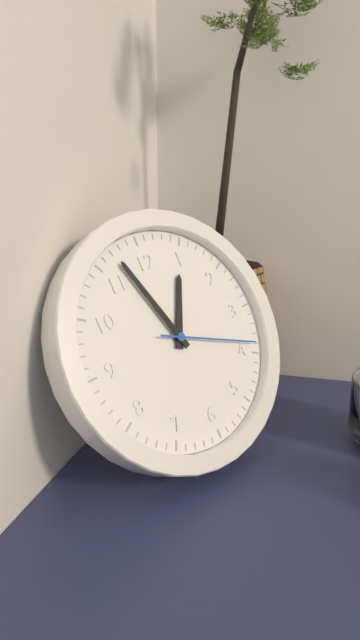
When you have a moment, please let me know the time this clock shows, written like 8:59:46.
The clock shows 12:57:19
